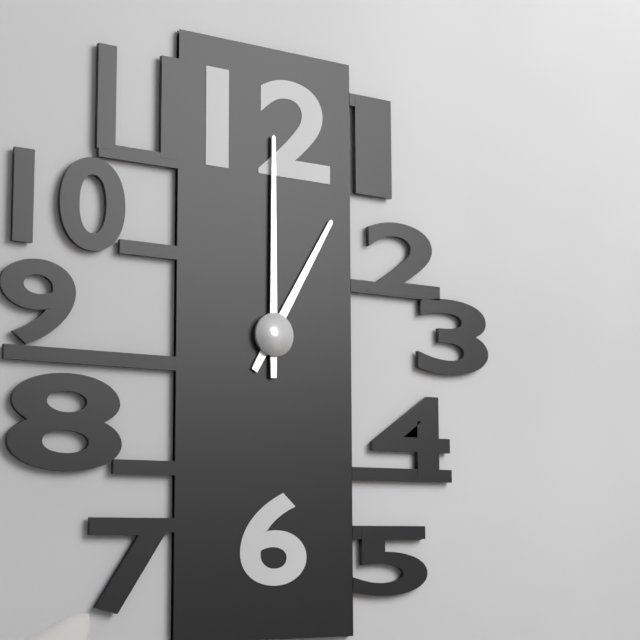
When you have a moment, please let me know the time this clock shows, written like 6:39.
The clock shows 1:00
